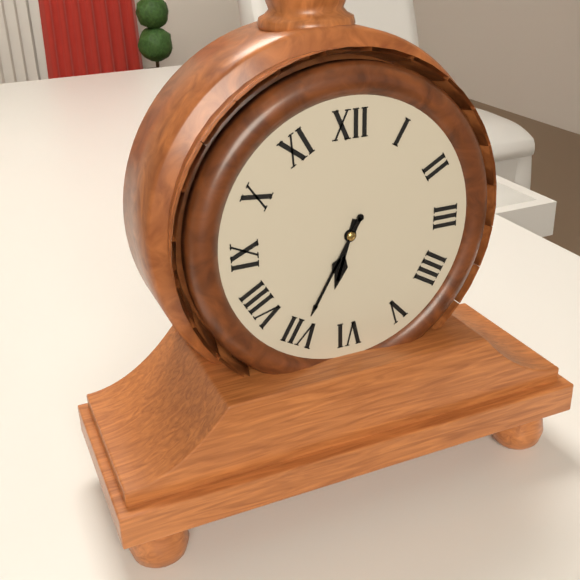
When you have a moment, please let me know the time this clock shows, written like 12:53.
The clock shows 6:35
